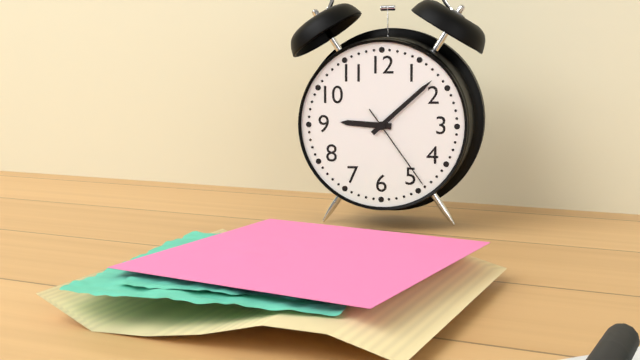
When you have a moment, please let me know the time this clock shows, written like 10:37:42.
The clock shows 9:08:24
